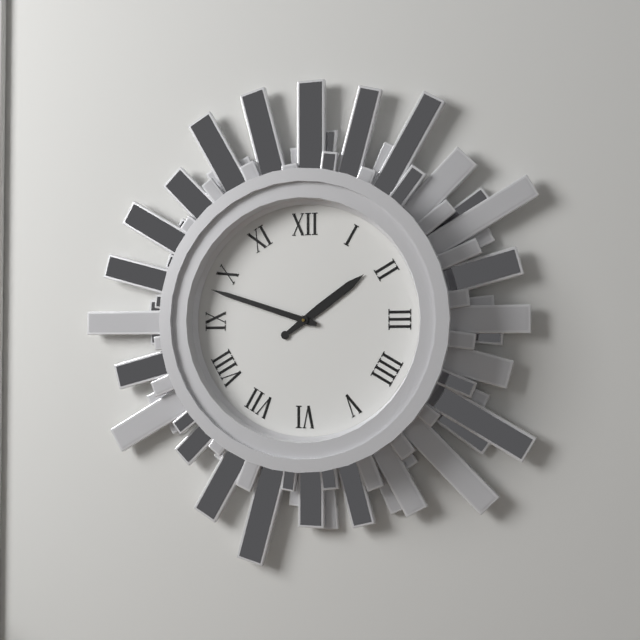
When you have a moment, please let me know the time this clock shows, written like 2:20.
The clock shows 1:48
